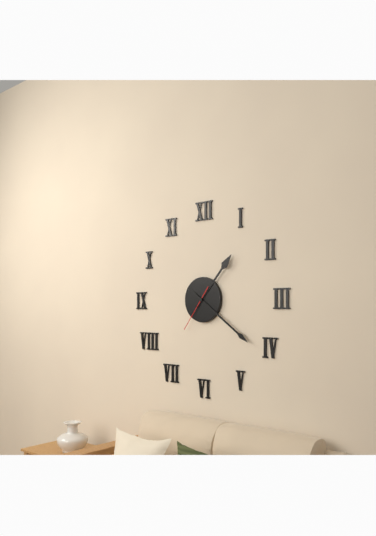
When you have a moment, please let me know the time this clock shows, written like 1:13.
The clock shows 1:21
